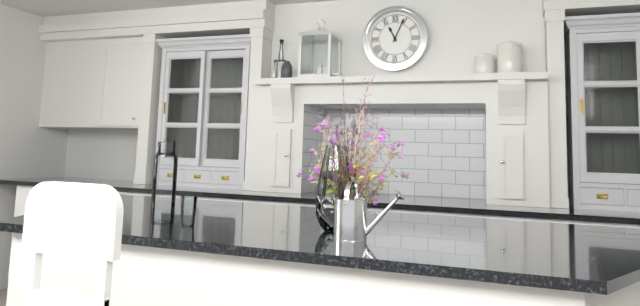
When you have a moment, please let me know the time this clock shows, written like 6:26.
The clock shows 11:04
